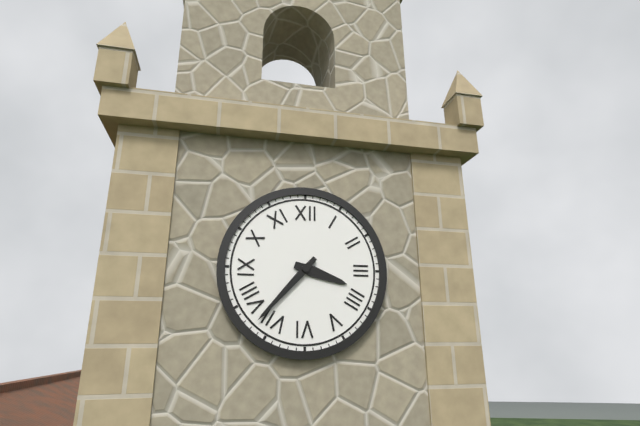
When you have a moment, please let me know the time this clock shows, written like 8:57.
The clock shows 3:37
